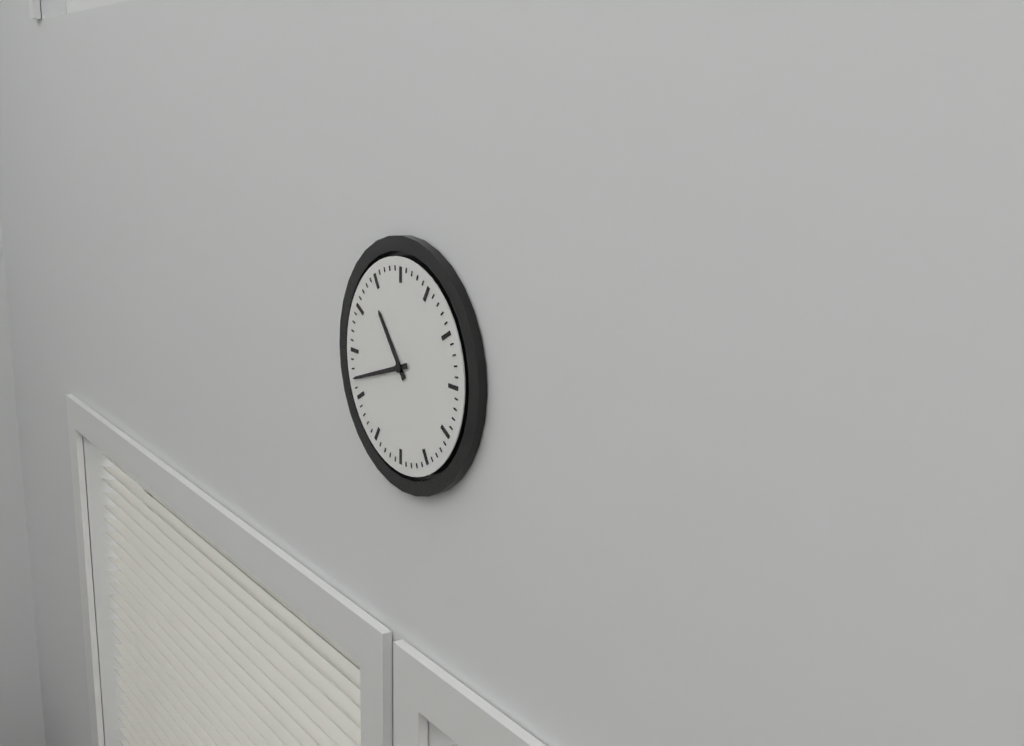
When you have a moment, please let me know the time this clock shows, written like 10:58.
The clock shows 10:42
